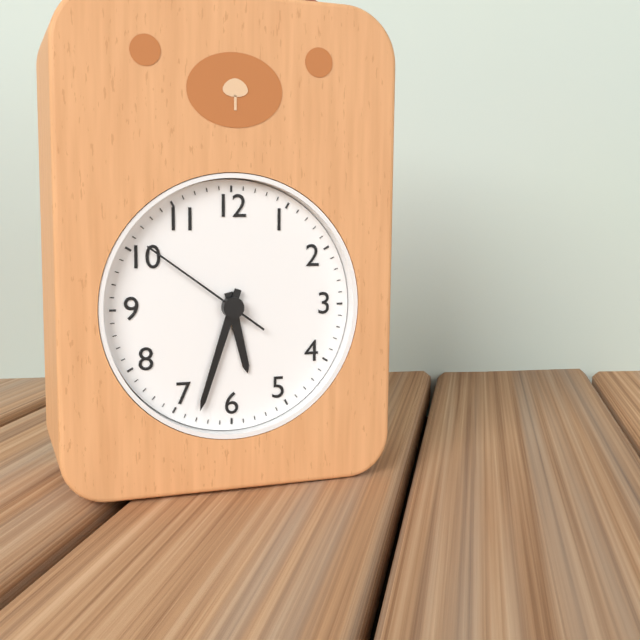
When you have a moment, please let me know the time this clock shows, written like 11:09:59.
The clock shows 5:33:51
